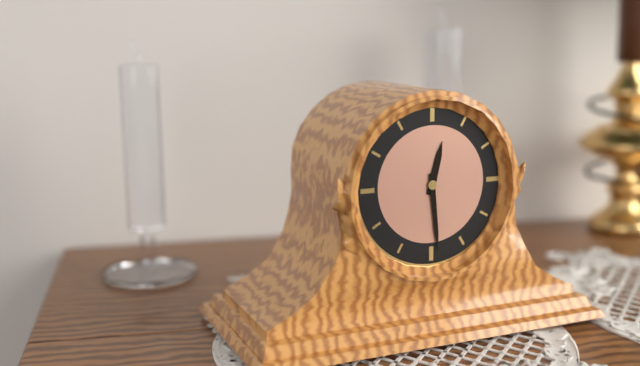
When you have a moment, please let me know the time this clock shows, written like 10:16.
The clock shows 12:29
